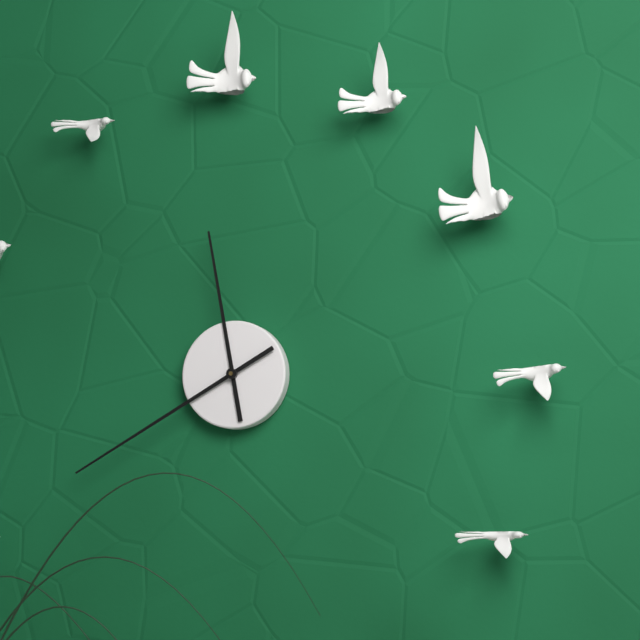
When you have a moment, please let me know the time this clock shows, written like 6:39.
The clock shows 11:40
